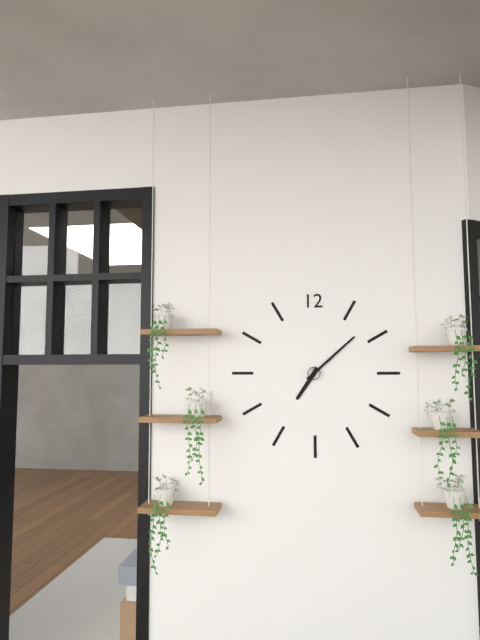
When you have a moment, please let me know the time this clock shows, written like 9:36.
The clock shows 7:08
